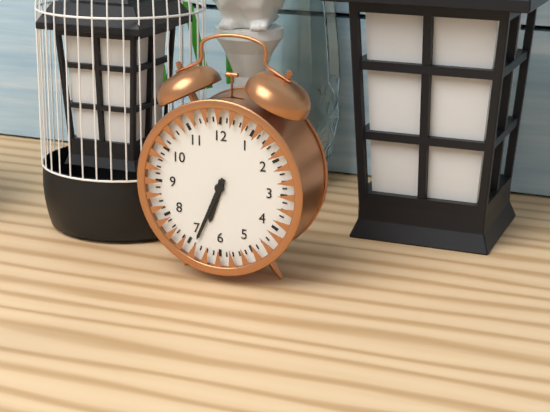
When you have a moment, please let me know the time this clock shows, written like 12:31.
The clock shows 6:34
